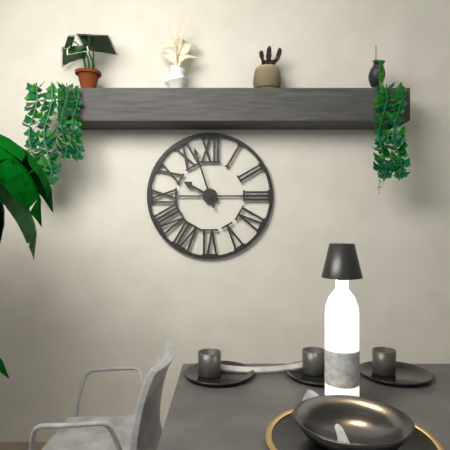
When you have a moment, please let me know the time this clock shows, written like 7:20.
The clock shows 9:57
